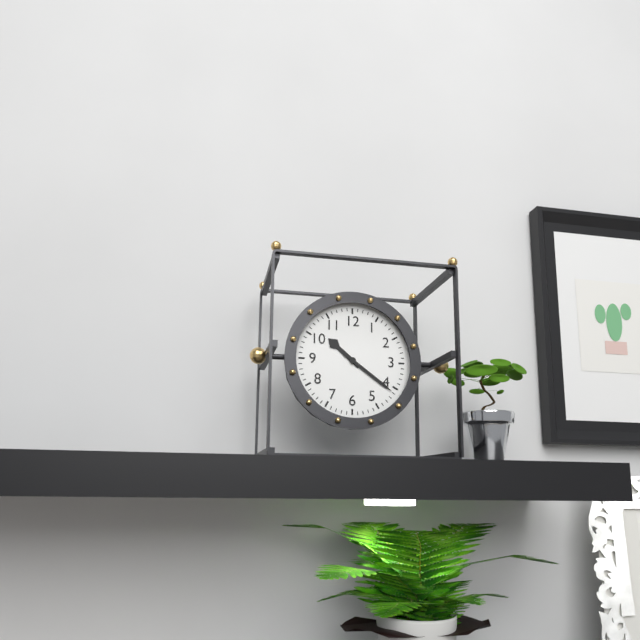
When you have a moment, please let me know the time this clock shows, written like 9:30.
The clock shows 10:21
